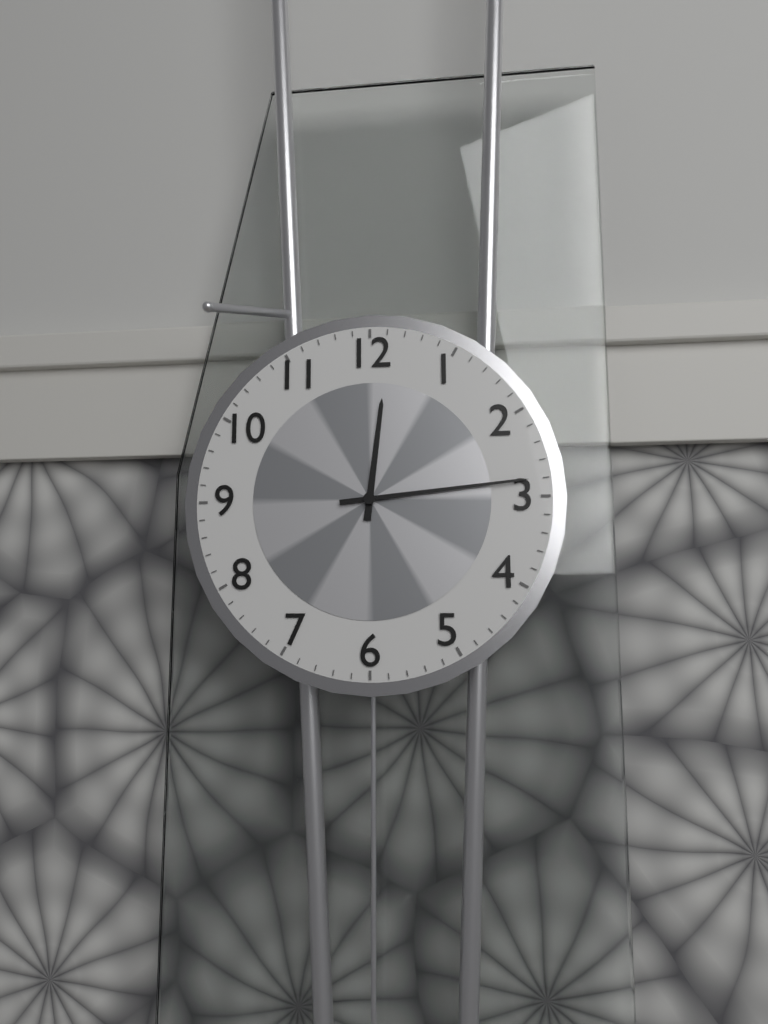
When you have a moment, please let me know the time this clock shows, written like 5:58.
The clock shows 12:14
